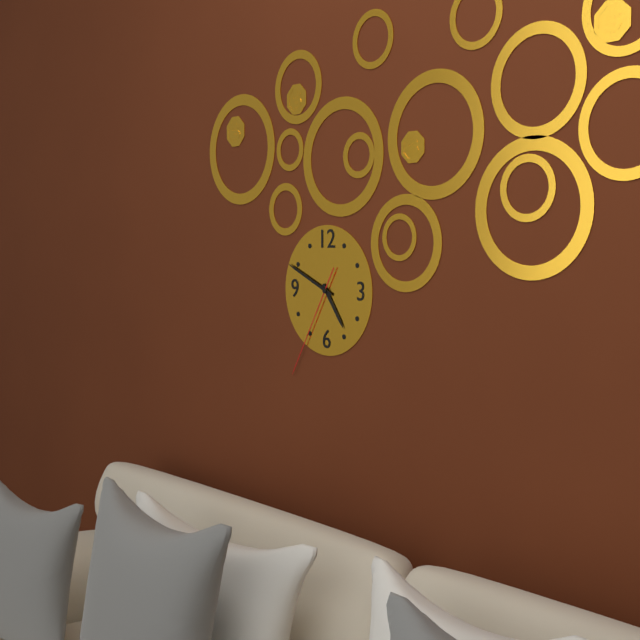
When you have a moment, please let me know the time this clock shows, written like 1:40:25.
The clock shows 4:49:35
